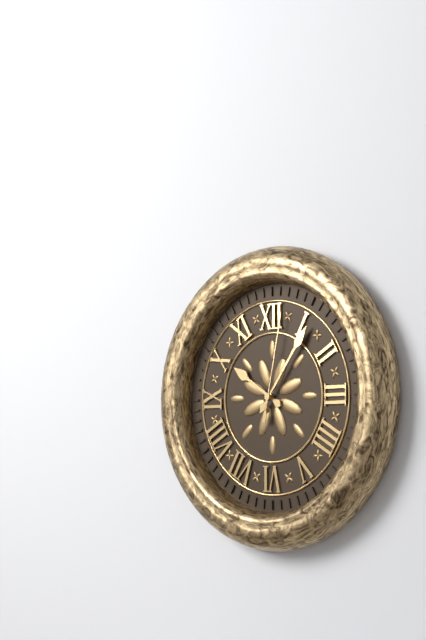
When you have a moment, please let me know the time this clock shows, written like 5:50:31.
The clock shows 10:06:02
